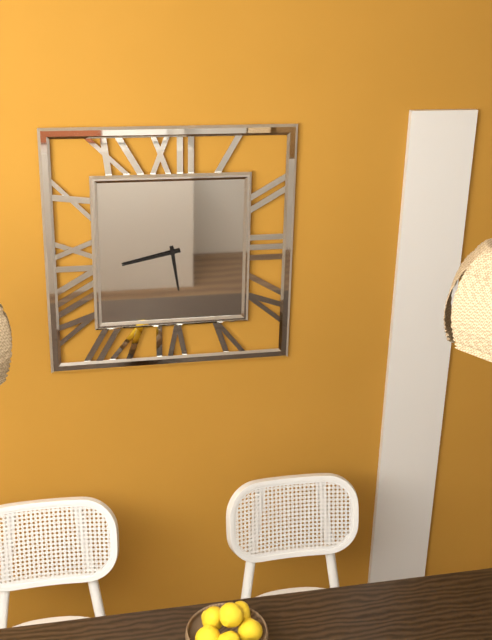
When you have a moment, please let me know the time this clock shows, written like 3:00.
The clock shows 5:43
